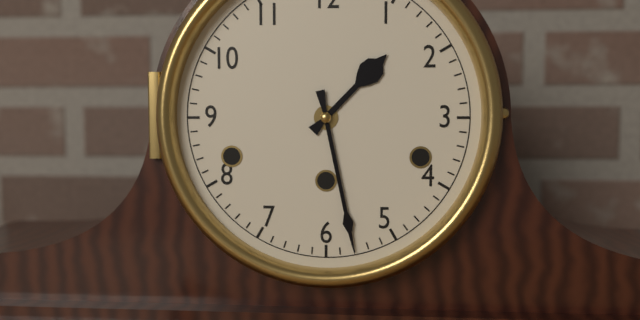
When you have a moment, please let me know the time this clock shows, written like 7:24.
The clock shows 1:28
